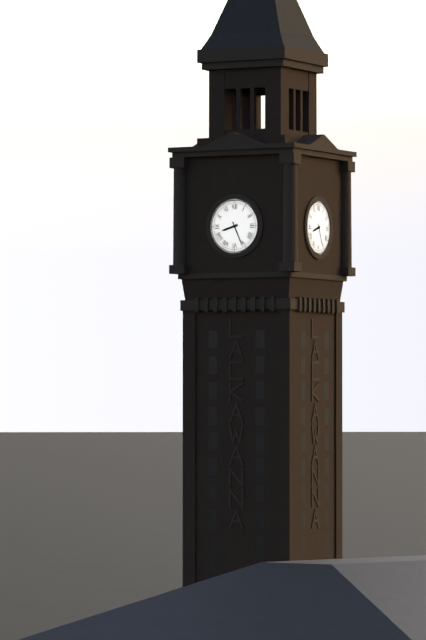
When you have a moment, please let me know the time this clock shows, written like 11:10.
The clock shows 8:26
